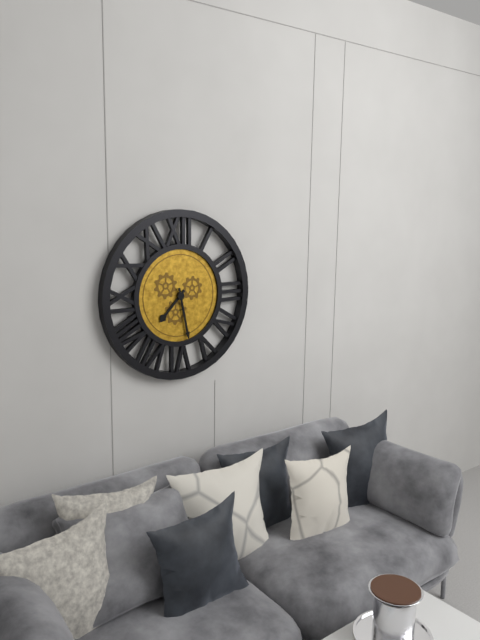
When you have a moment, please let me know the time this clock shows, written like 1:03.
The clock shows 7:28
